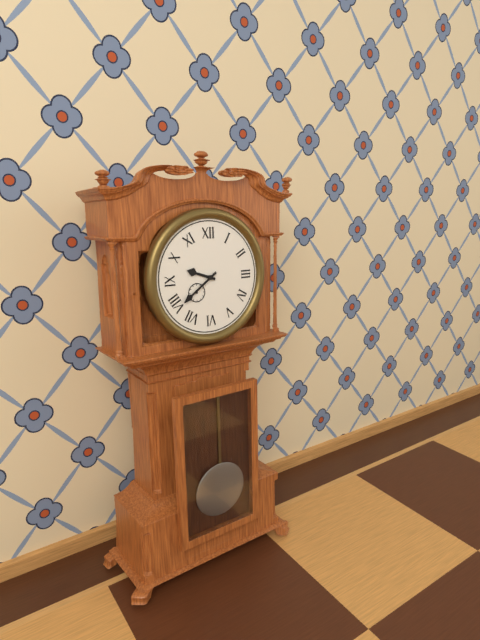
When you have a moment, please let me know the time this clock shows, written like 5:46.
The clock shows 9:39
